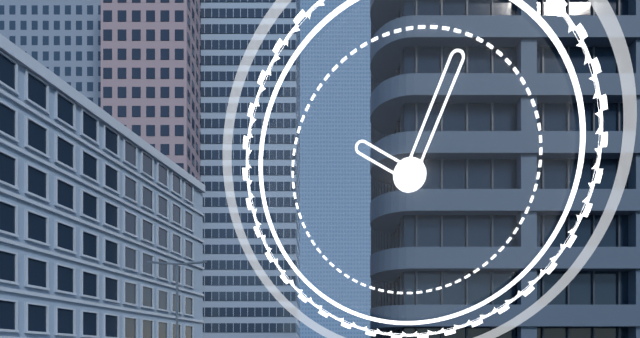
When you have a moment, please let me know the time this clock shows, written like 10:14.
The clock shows 10:04
